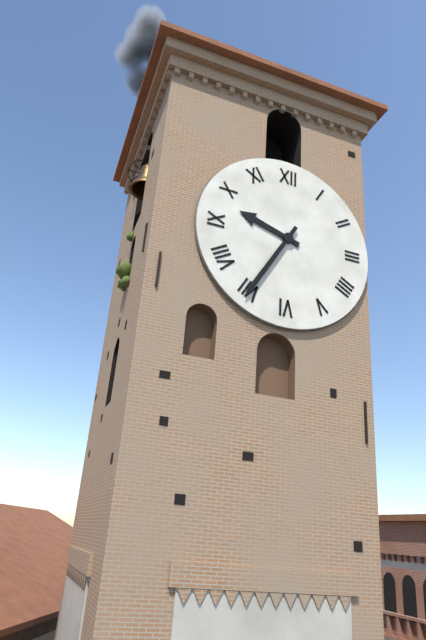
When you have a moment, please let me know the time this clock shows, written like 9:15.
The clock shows 9:35
